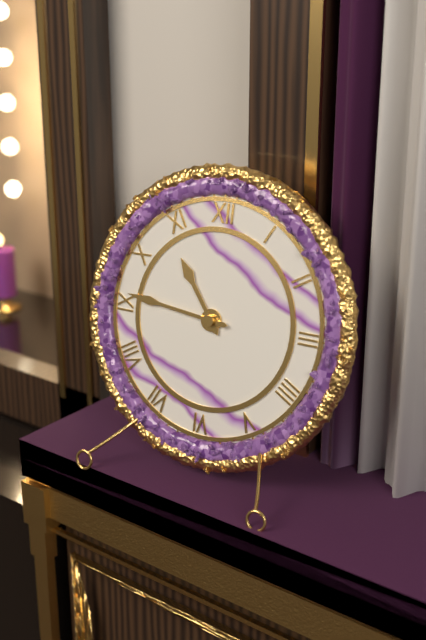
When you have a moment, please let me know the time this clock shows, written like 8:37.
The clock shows 10:46
